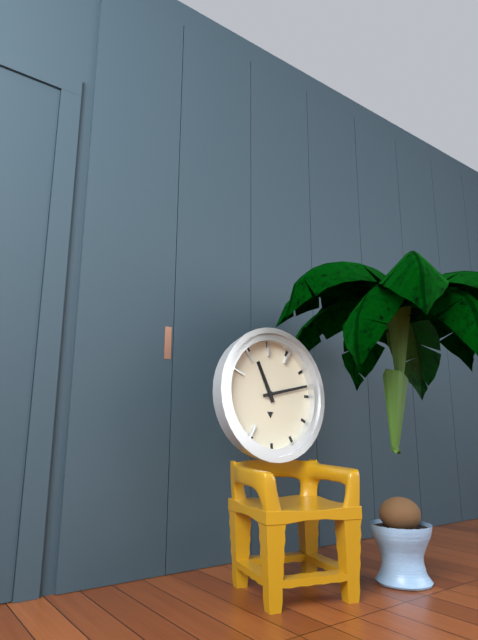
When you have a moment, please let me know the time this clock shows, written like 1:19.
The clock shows 11:13
